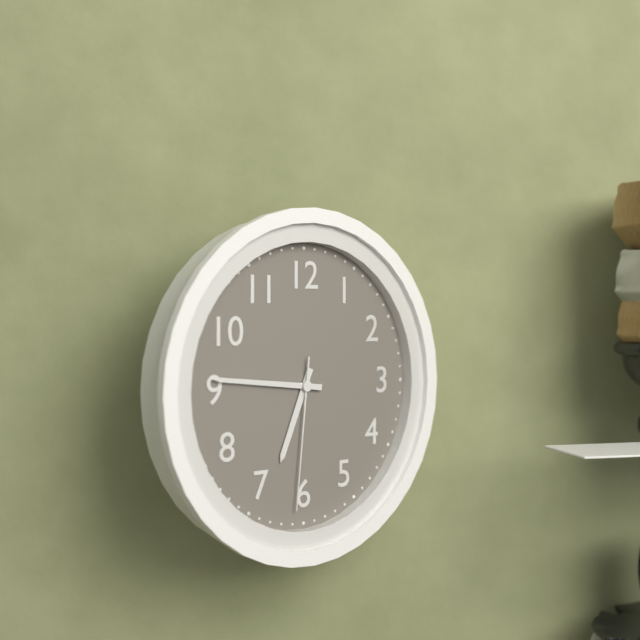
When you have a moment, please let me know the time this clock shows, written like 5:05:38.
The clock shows 6:46:31
